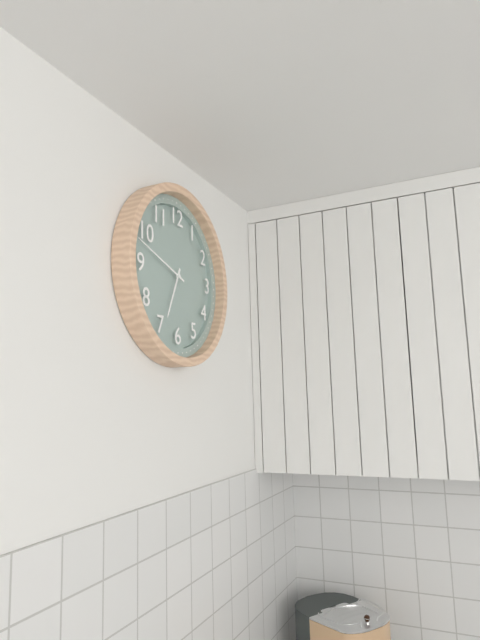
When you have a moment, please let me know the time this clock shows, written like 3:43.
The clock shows 6:48
